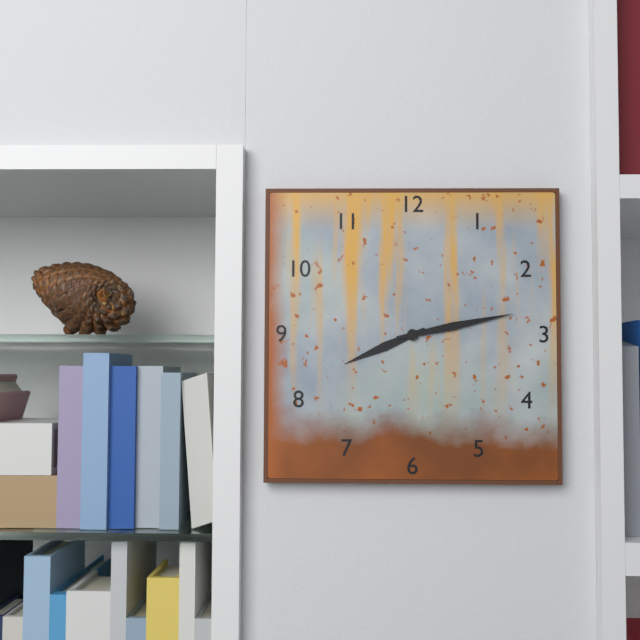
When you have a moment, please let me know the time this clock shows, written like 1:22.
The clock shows 8:13
